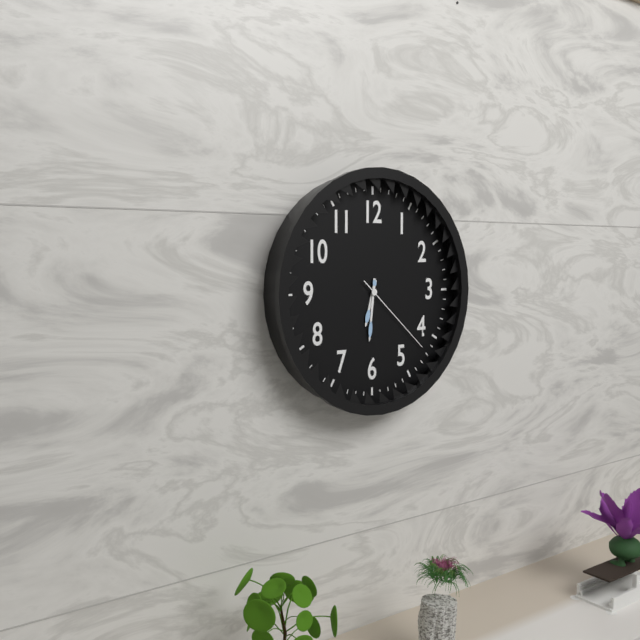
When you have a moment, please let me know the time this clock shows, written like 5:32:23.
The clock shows 6:31:22
